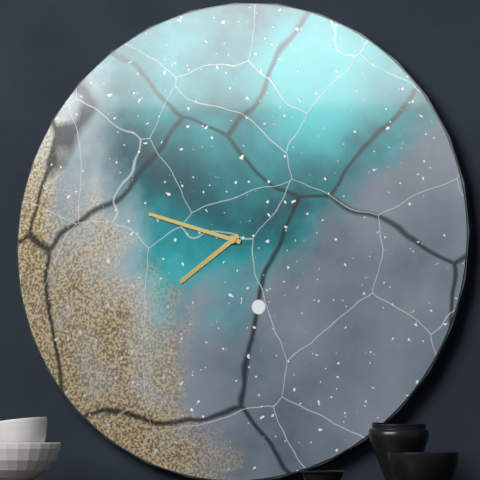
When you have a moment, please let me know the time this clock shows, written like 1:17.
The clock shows 7:48
